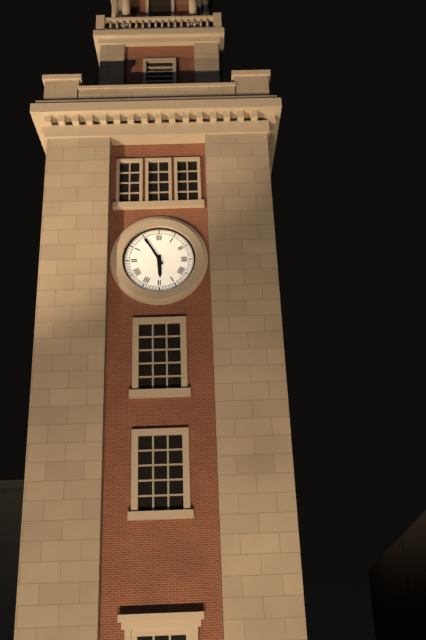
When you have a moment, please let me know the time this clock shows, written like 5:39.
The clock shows 5:55
